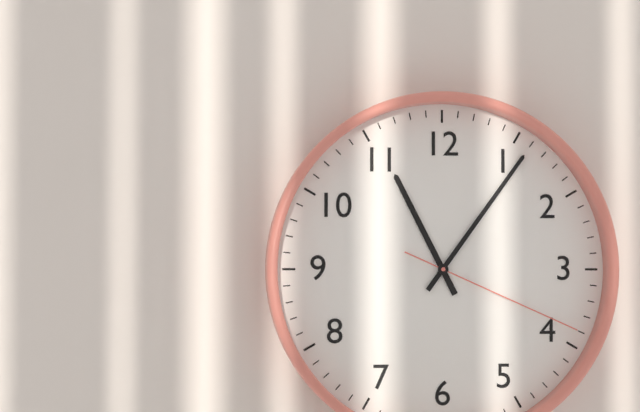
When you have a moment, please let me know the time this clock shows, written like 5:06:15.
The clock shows 11:06:19
